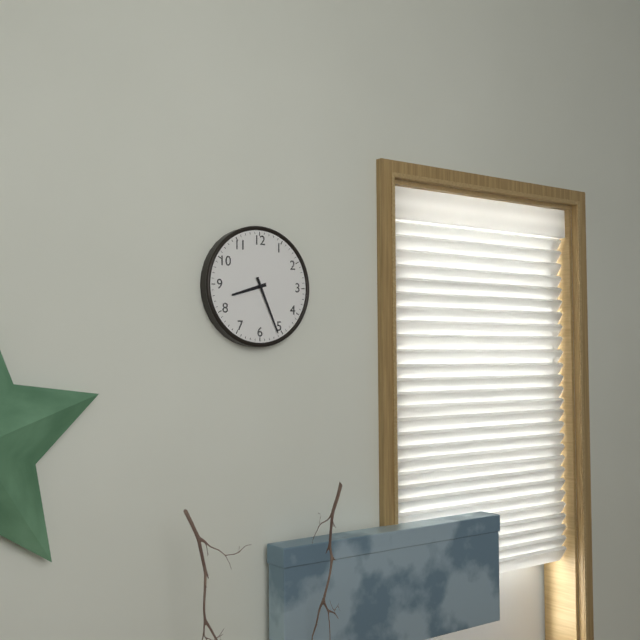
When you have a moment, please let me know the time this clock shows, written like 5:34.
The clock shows 8:26
